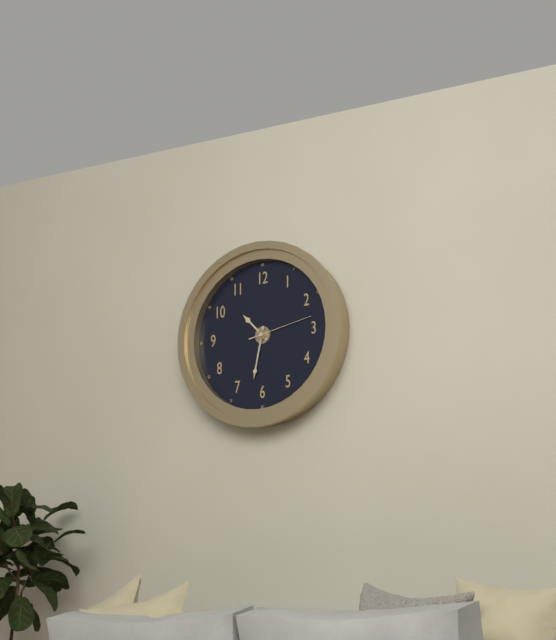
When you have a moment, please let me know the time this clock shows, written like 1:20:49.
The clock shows 10:32:13
